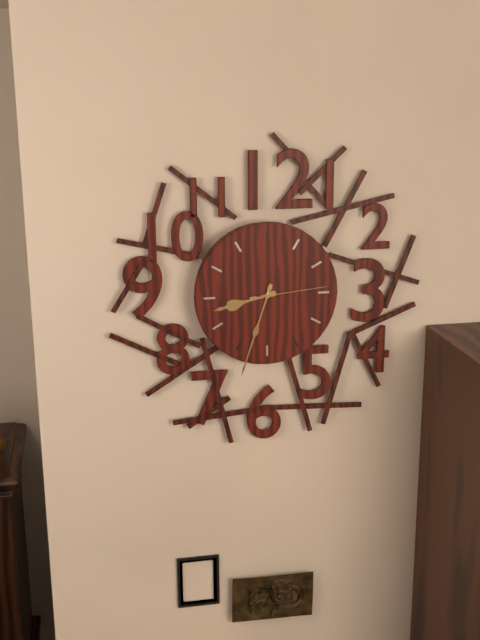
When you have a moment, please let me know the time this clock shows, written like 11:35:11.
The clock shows 8:33:14
